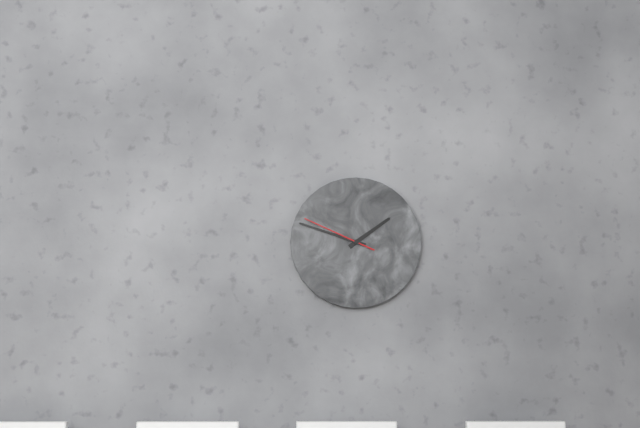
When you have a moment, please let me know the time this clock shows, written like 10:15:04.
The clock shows 1:48:49
